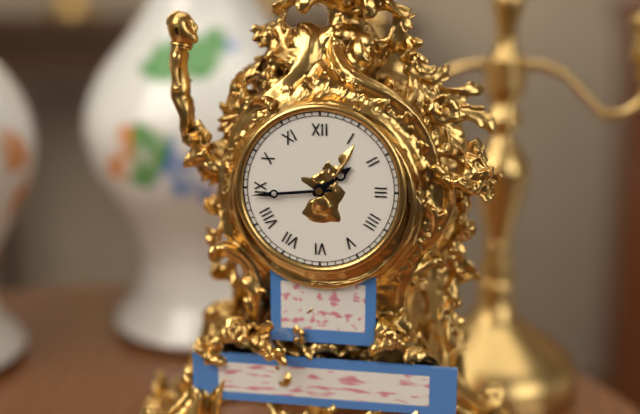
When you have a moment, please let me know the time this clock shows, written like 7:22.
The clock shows 1:44
